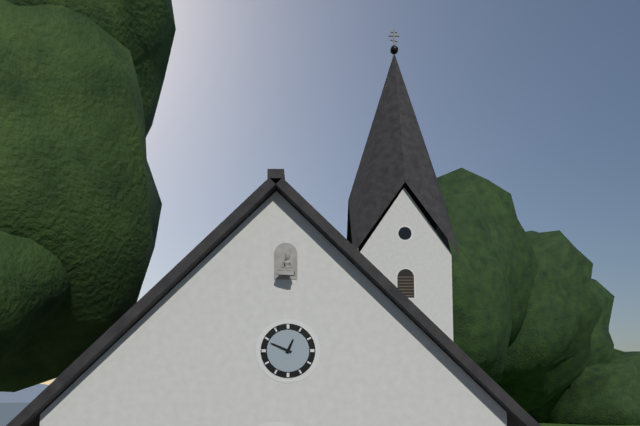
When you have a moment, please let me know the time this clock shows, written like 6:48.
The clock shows 12:49
